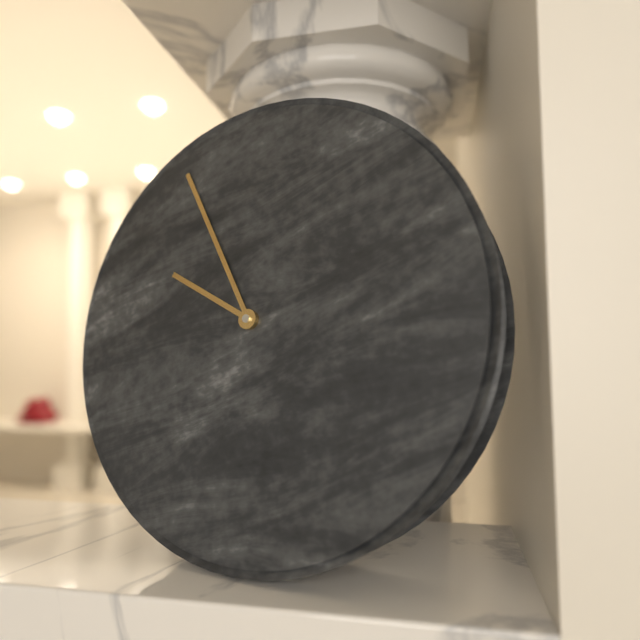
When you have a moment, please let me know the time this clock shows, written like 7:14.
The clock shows 9:55
